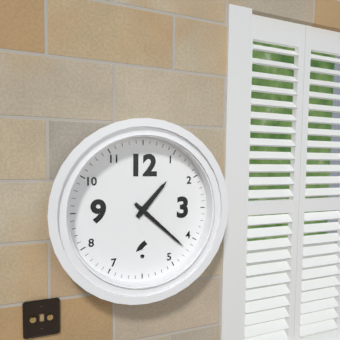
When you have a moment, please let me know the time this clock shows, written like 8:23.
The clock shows 1:22
